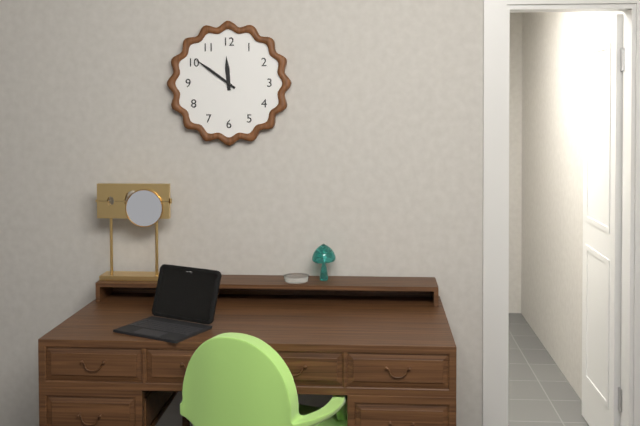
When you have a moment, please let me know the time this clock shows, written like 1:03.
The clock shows 11:51
